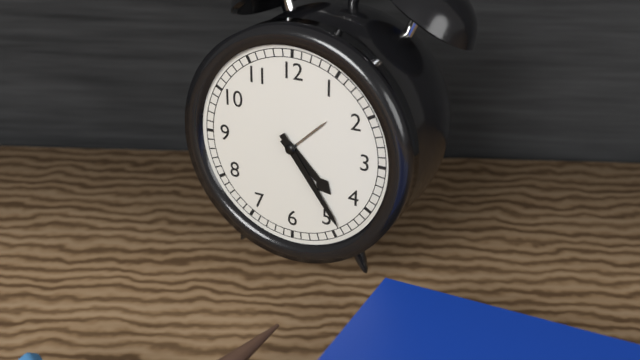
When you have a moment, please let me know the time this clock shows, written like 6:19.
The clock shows 4:24
